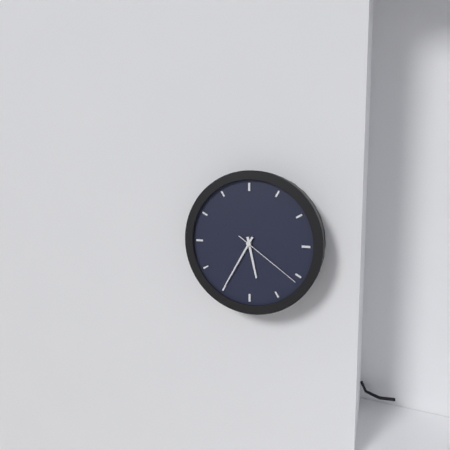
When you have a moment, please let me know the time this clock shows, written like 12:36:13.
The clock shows 5:35:21
